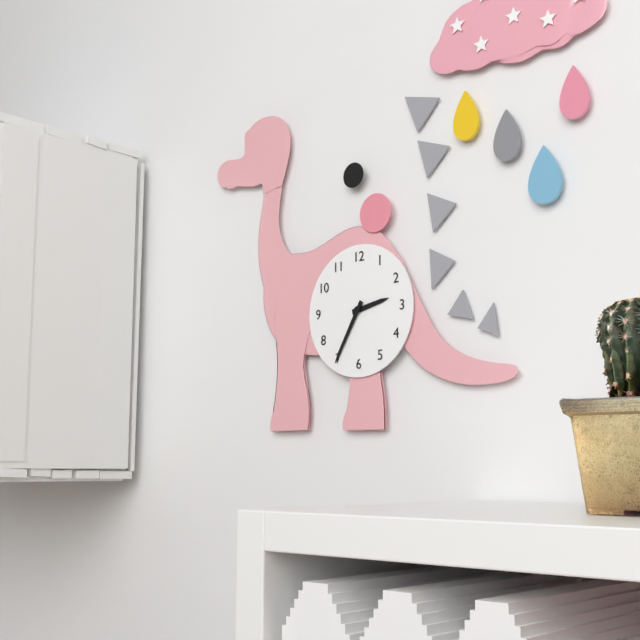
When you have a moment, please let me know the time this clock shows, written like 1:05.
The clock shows 2:35
